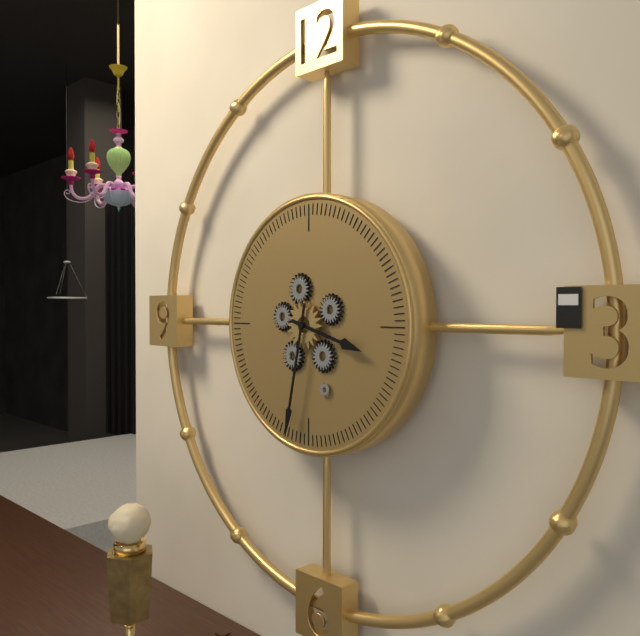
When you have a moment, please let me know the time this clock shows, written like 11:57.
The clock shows 3:32
